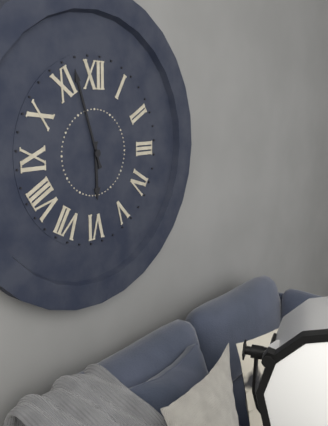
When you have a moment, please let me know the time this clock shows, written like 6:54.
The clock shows 5:57
